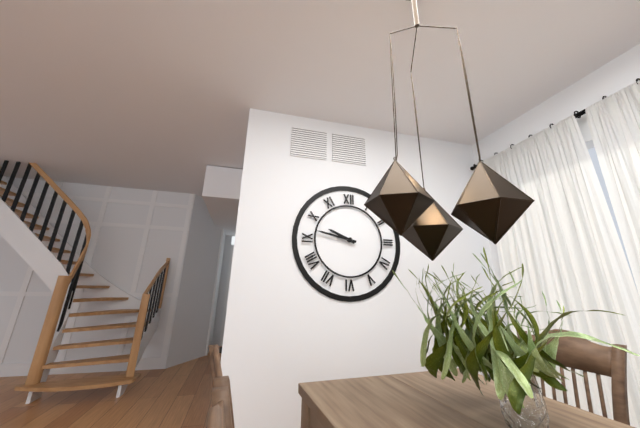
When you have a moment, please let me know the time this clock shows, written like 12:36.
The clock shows 9:47
